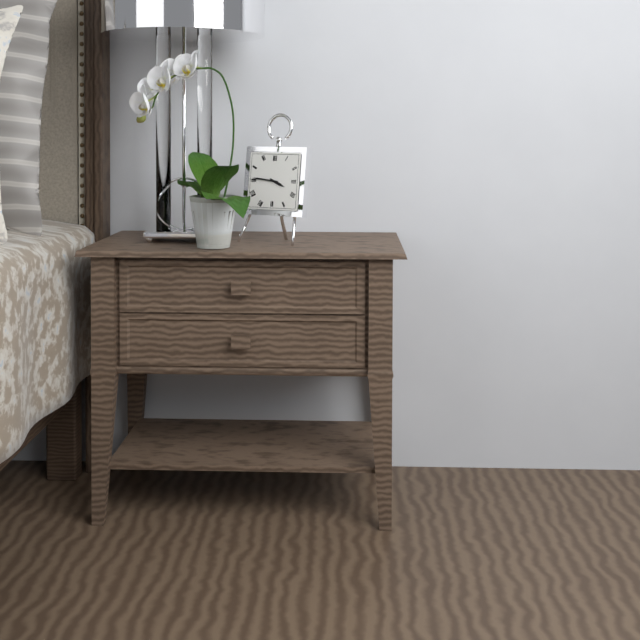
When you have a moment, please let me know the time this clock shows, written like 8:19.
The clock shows 3:46
